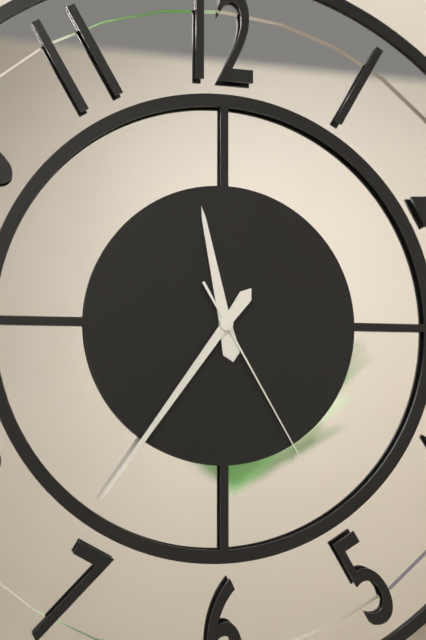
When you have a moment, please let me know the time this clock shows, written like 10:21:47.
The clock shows 11:36:25
